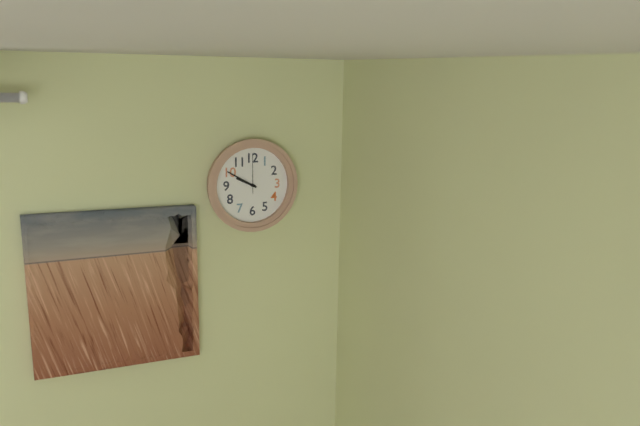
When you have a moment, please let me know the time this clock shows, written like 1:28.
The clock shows 9:50
